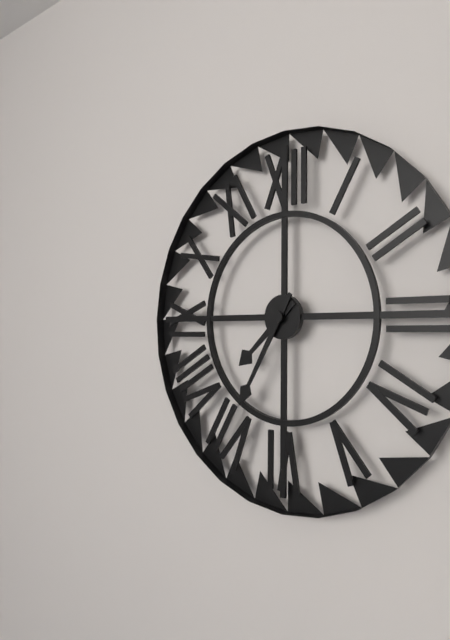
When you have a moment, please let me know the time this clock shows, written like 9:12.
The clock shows 7:35
